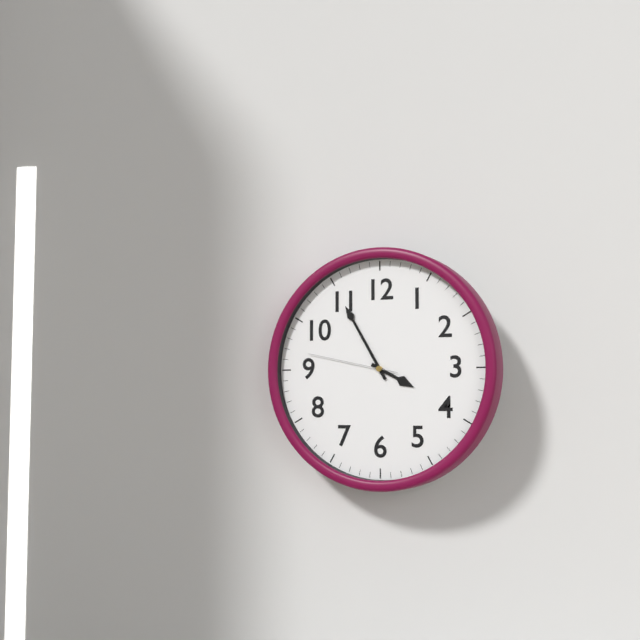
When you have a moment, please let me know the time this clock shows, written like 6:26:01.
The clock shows 3:55:47
